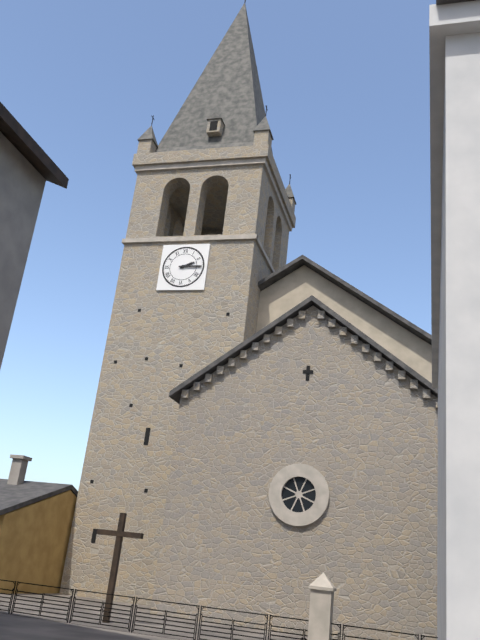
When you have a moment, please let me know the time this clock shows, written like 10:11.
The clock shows 2:15
